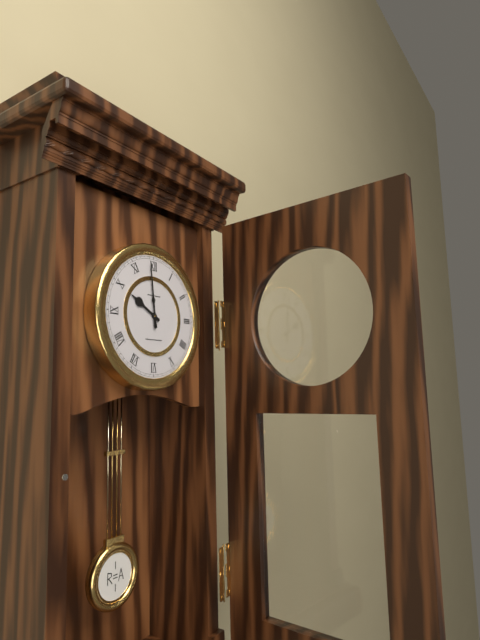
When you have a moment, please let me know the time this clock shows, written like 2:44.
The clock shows 9:59
